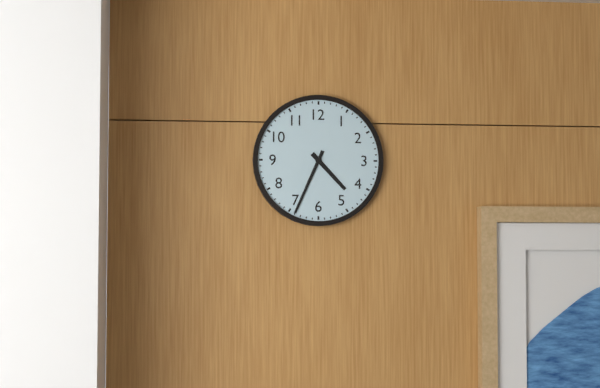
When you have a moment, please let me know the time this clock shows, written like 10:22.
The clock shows 4:34
